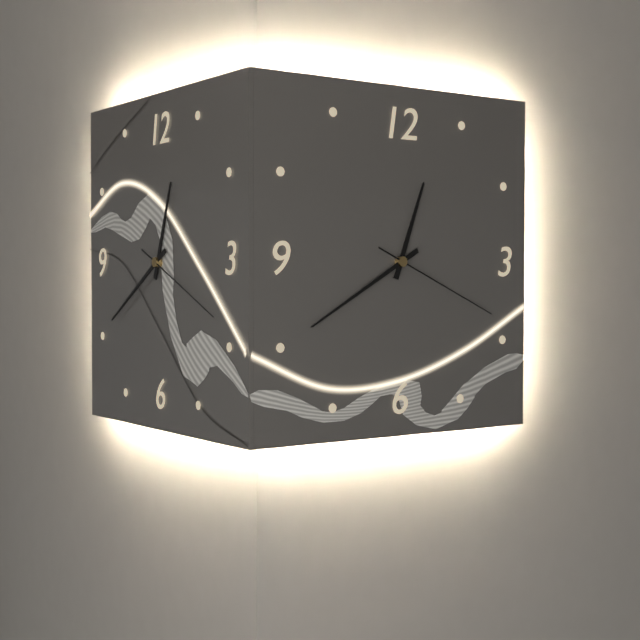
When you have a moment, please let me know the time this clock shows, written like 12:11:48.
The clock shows 12:40:19
